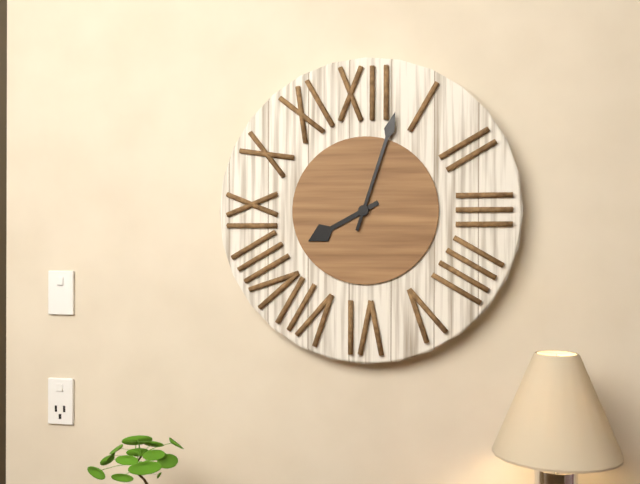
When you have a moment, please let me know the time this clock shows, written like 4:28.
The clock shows 8:03
